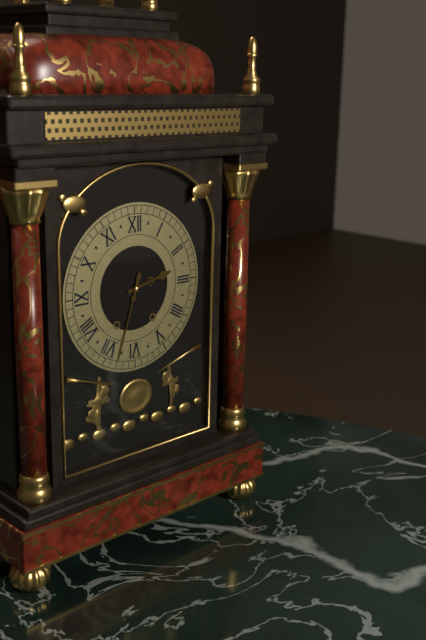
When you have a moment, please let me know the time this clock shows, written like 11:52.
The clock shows 2:33
